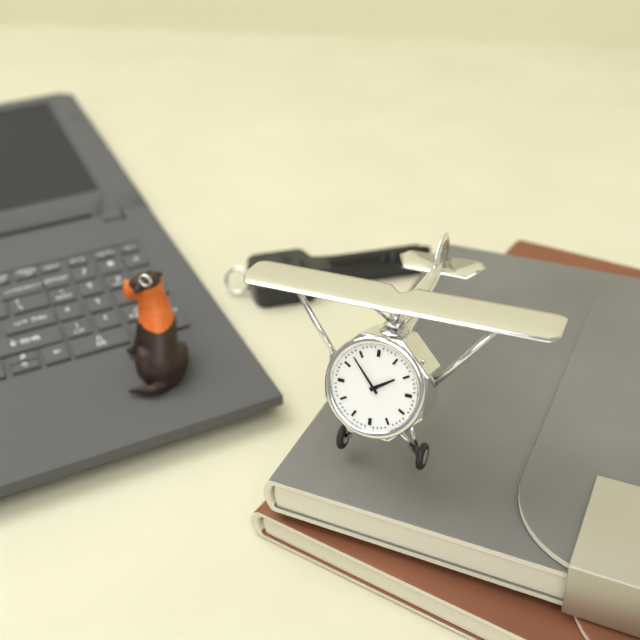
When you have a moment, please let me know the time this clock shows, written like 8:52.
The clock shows 1:53
